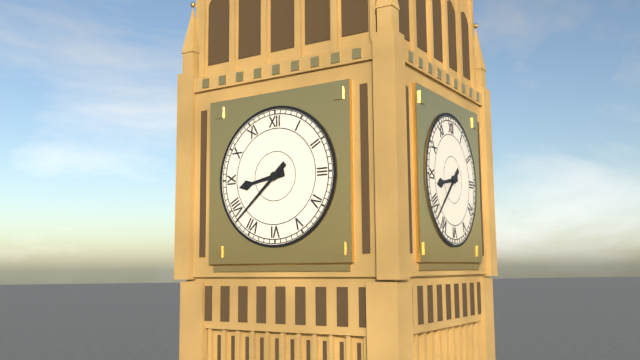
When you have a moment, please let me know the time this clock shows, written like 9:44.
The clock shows 8:38
